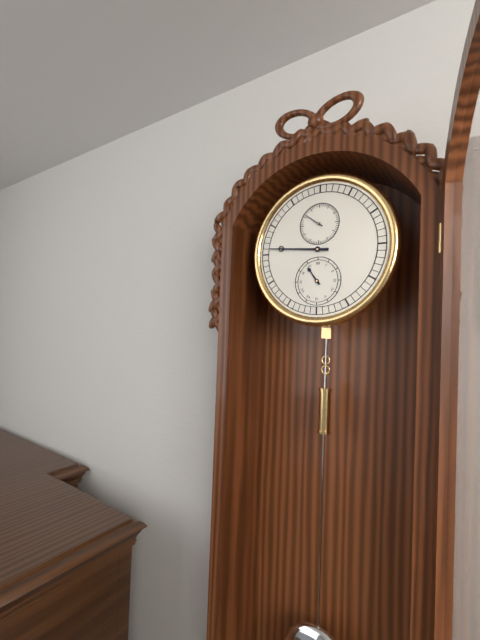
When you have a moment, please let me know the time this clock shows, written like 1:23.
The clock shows 10:46
